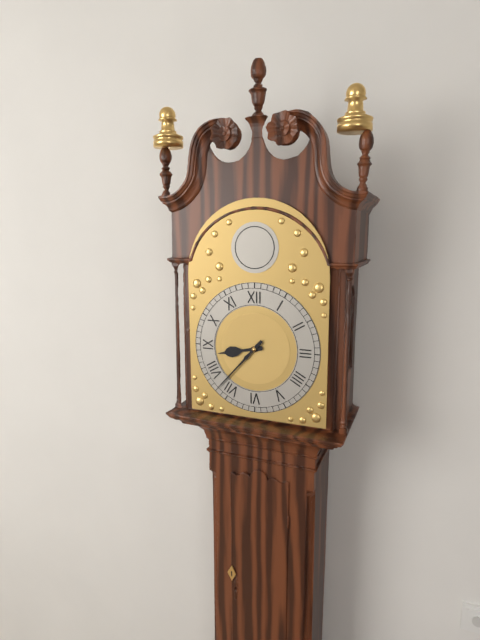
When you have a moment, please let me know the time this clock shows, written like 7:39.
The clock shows 8:37
